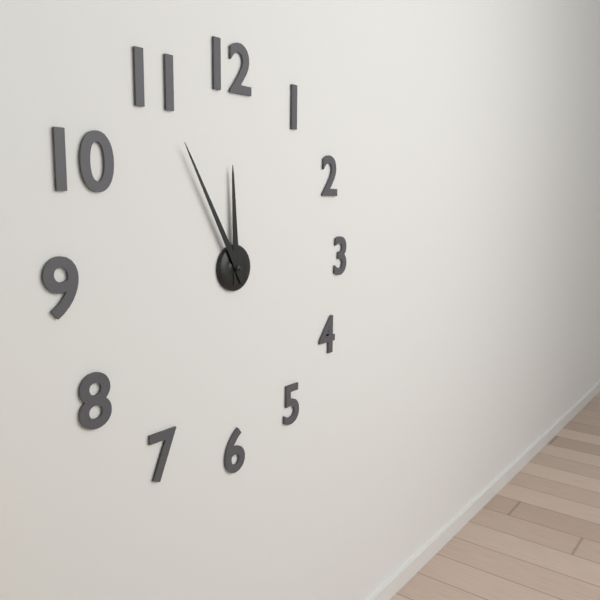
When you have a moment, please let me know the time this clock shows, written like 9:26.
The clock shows 11:55
